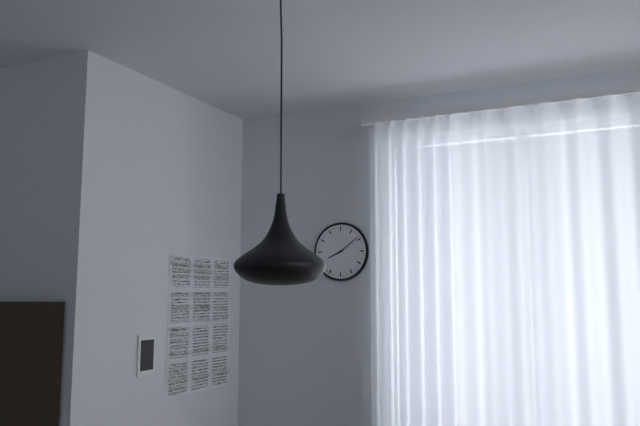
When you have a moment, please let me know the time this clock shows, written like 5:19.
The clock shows 8:09
